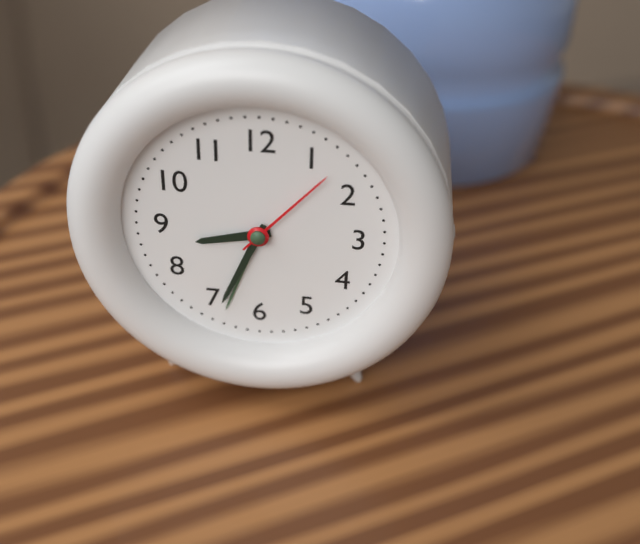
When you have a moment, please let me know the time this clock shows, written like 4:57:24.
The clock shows 8:34:07
